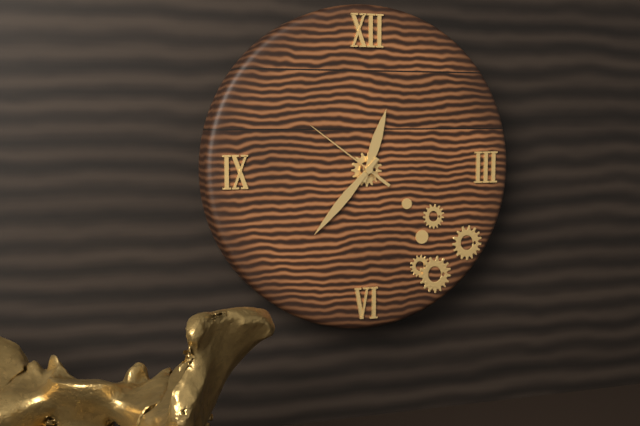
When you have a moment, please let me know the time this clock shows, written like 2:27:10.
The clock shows 12:37:51
